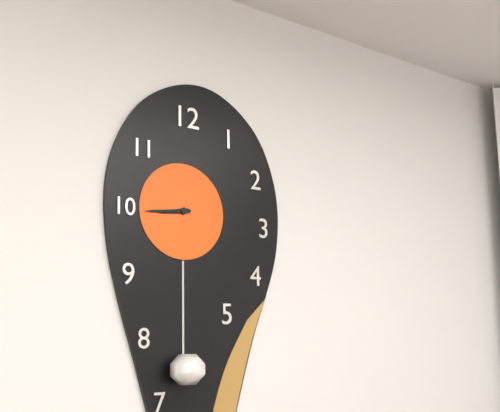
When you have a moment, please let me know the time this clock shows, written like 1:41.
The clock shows 8:44
